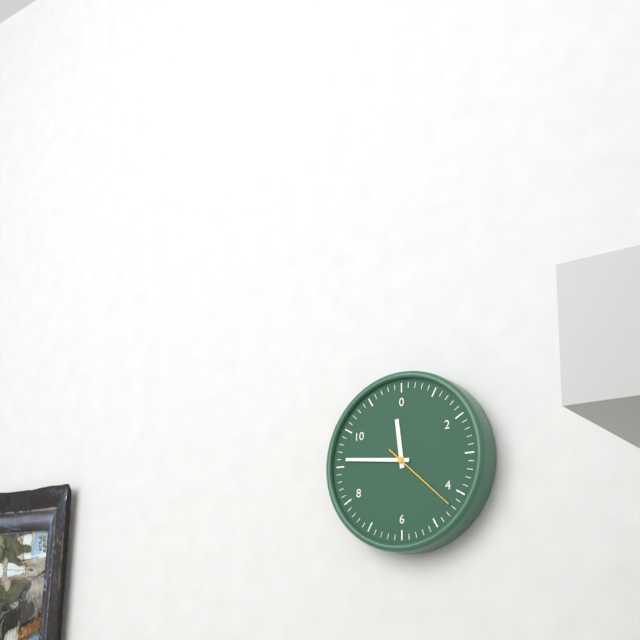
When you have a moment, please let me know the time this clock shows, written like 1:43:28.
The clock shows 11:46:22
